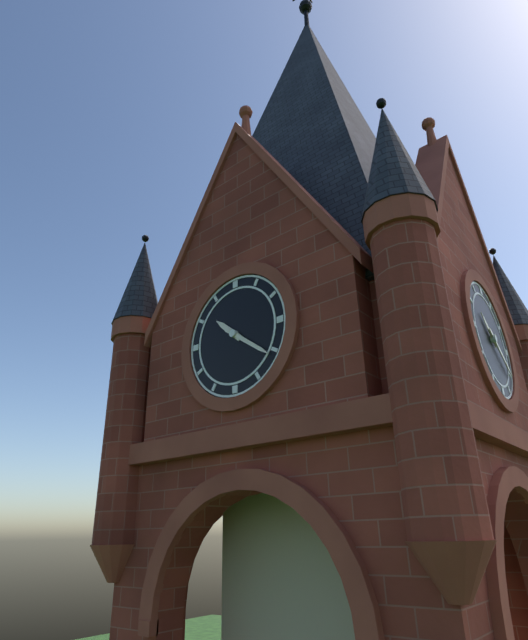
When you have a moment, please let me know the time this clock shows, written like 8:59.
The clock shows 10:21
